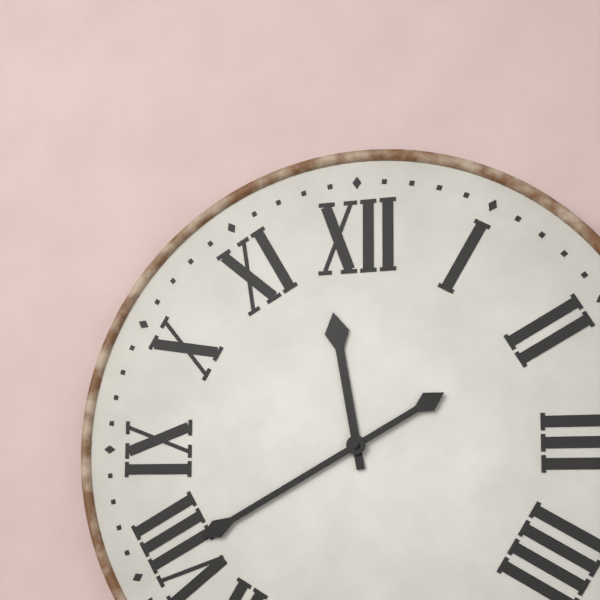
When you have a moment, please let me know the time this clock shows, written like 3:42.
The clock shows 11:40
